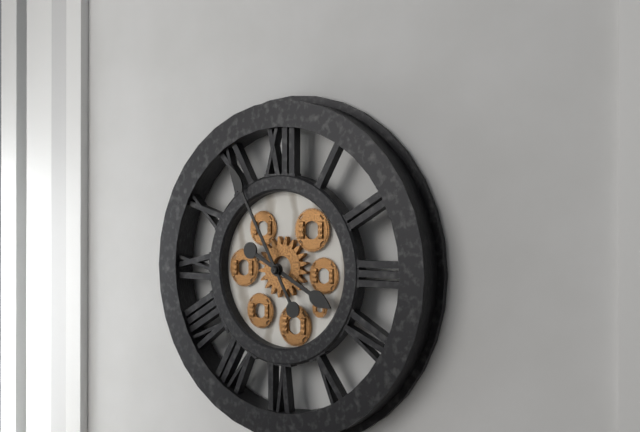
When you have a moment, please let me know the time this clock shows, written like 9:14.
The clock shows 3:55
